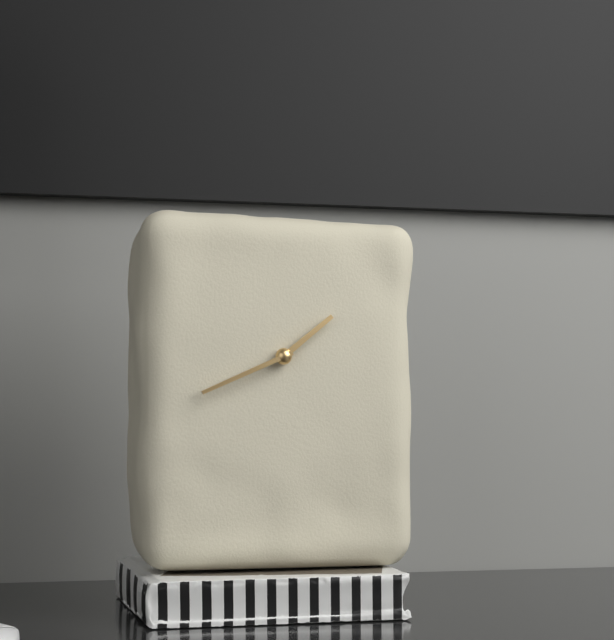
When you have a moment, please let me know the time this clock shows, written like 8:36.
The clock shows 1:41
